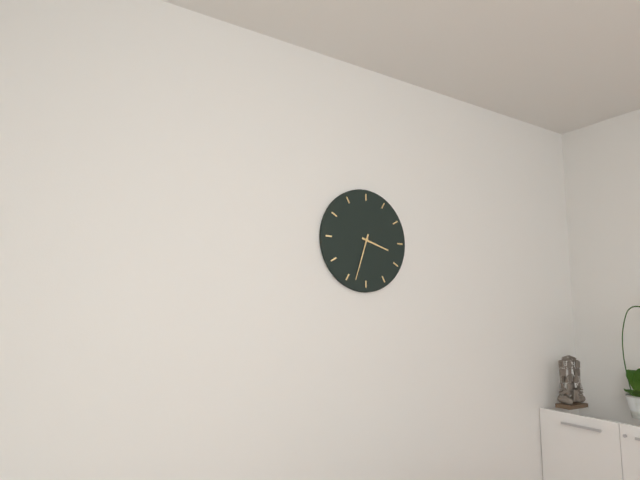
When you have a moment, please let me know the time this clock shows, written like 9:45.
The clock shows 3:33
